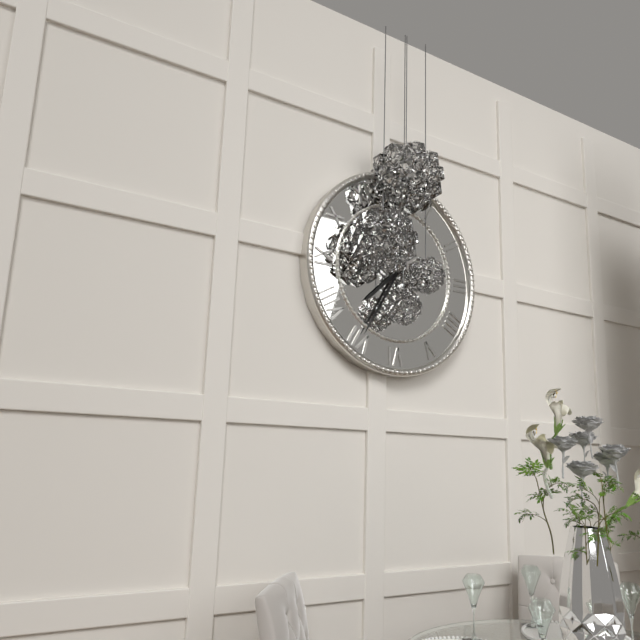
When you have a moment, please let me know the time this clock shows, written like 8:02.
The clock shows 7:35
